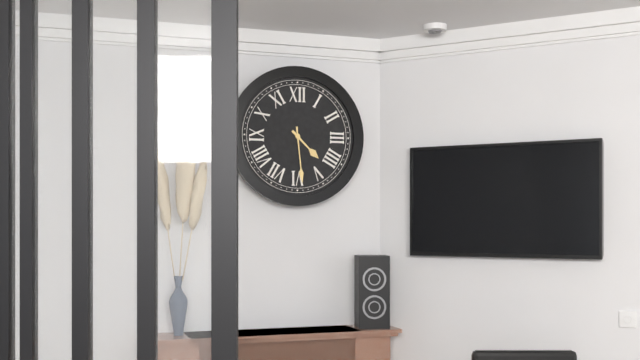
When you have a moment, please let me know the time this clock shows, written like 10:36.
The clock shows 4:29
